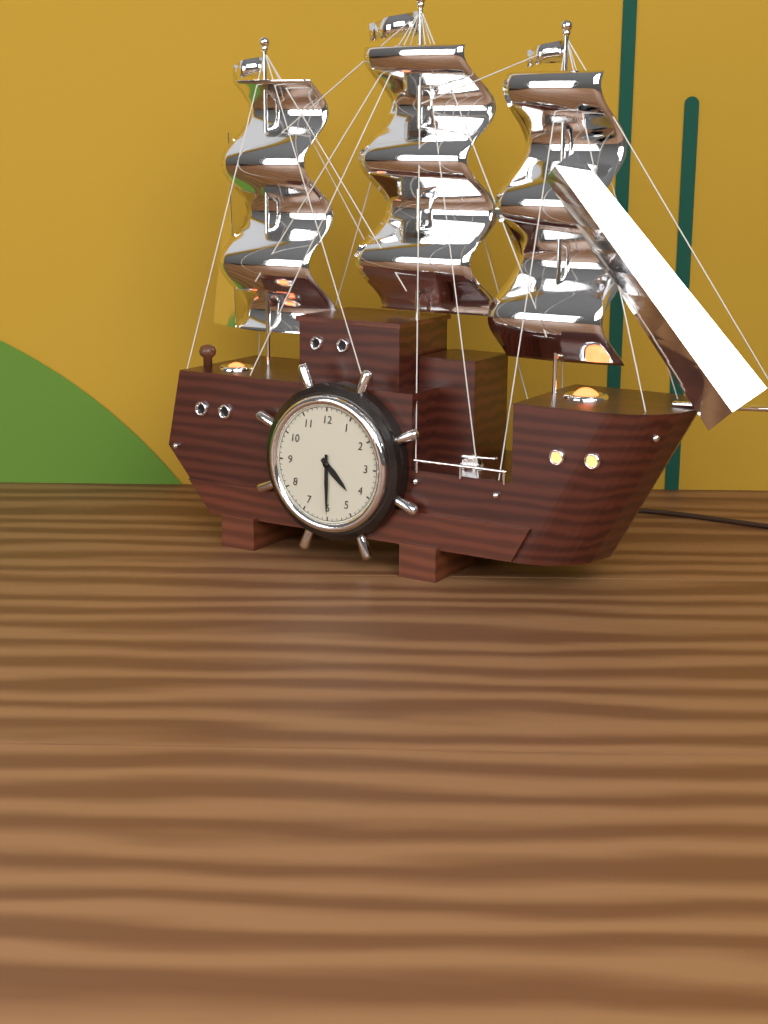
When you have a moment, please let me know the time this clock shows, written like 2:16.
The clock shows 4:30
